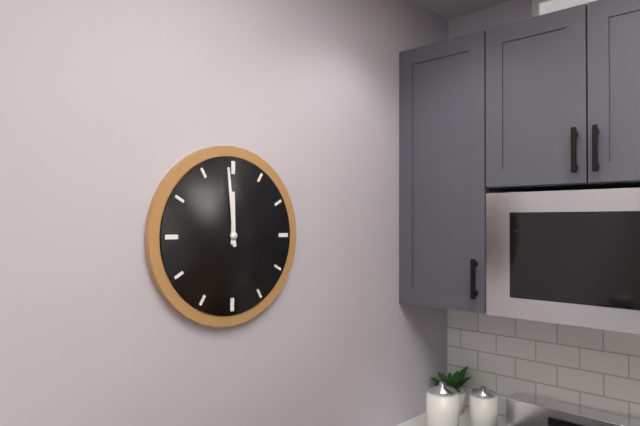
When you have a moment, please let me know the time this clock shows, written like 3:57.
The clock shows 11:59
